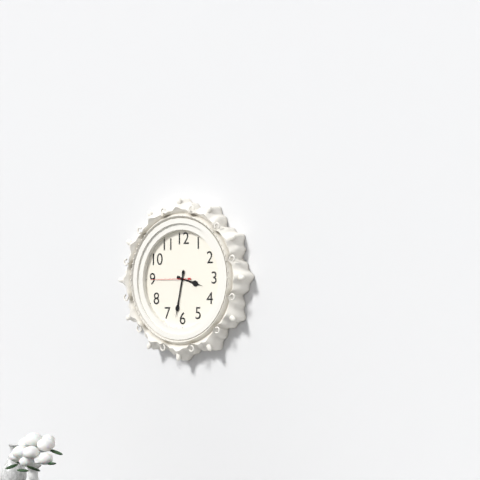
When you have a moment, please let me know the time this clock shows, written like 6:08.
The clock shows 3:32
